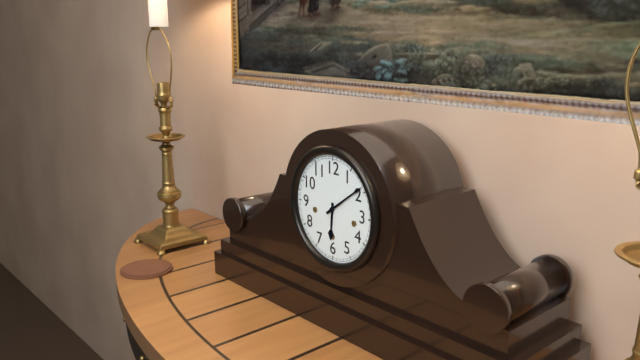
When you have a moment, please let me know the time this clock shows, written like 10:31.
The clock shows 6:09
